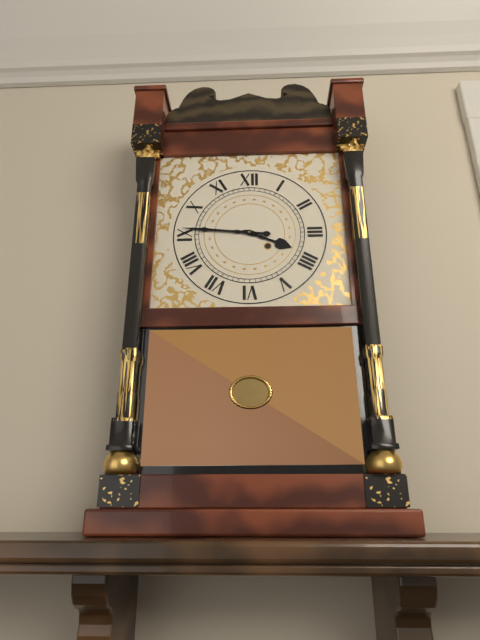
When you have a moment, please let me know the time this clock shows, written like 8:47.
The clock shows 3:46
